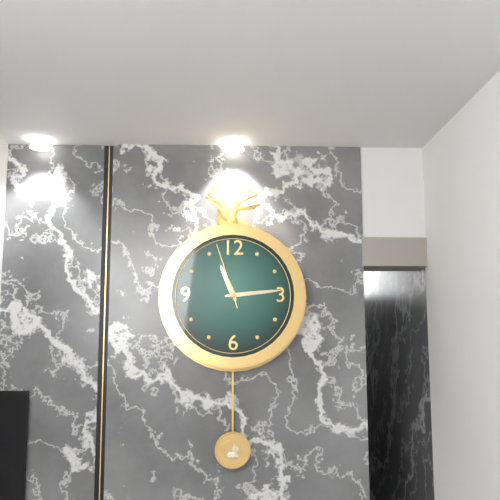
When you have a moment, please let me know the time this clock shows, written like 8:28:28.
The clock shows 11:14:57
